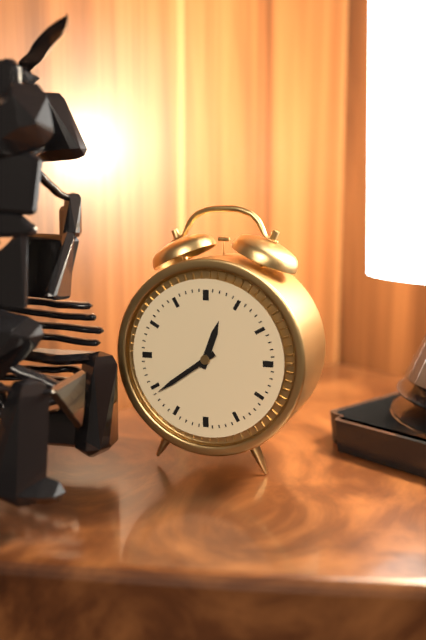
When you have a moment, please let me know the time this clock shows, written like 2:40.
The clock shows 12:39
